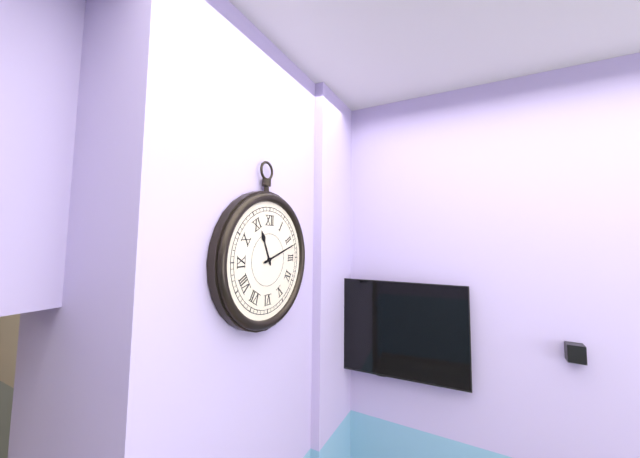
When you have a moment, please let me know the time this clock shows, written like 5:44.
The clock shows 11:12
